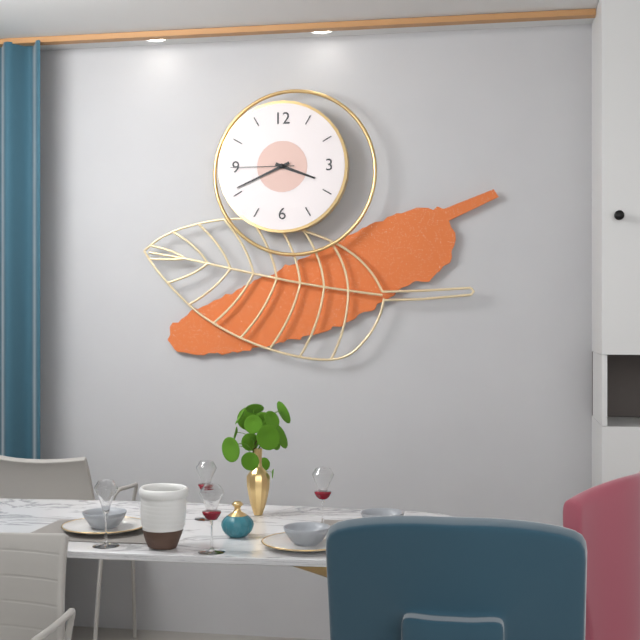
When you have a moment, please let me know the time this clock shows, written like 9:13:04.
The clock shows 3:41:45
